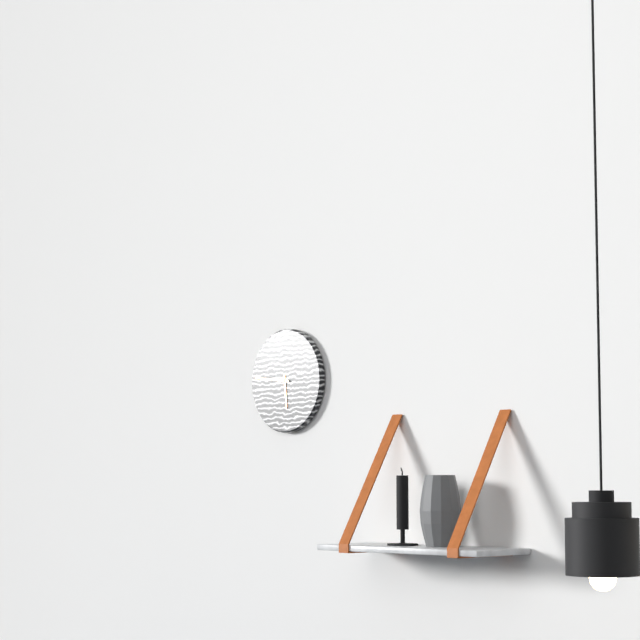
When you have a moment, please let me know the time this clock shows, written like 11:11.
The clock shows 5:46
